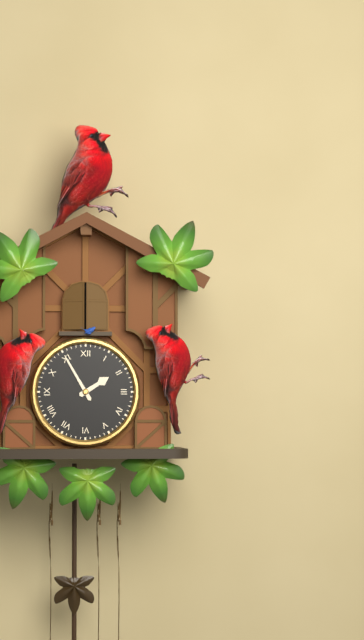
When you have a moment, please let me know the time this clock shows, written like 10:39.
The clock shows 1:55
